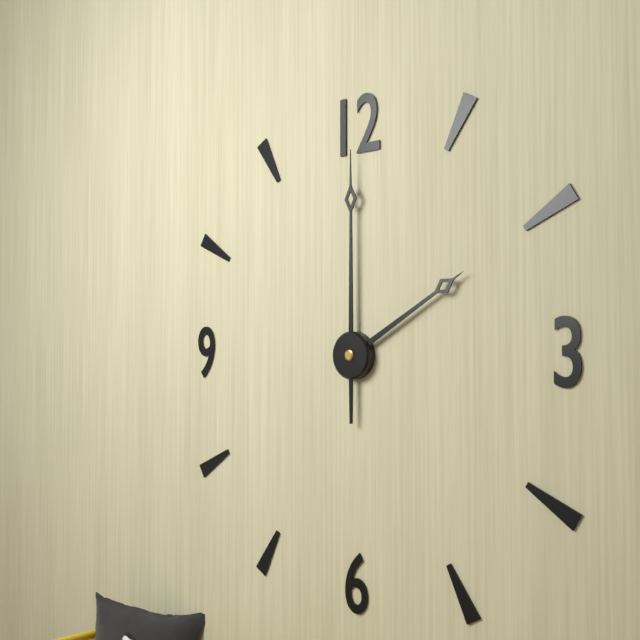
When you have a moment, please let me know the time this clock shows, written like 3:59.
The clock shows 2:00
